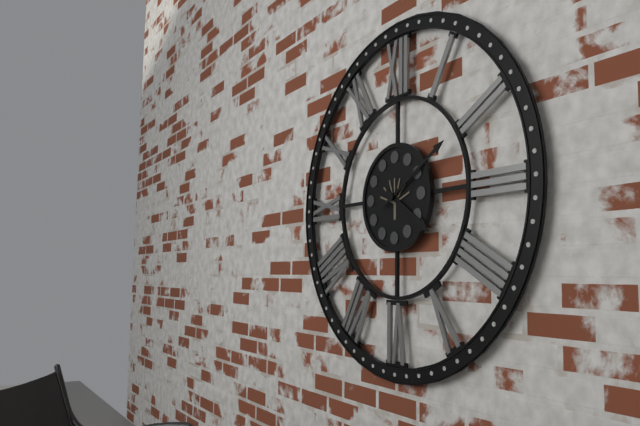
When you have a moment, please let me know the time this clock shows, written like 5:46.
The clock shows 4:10
